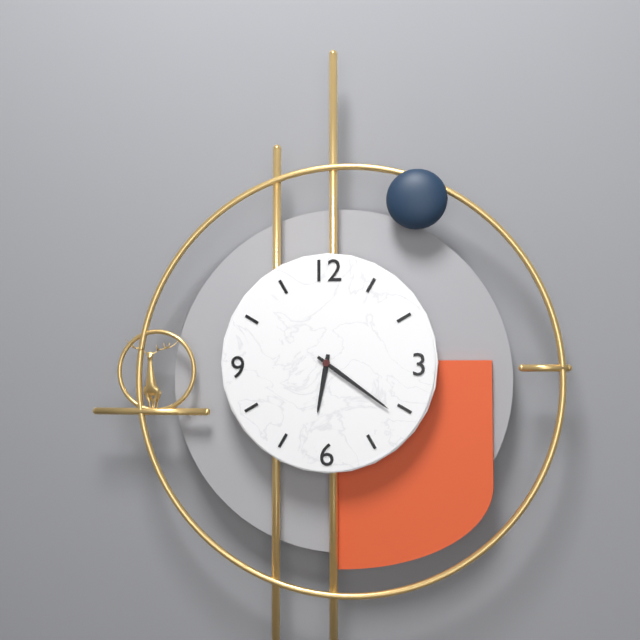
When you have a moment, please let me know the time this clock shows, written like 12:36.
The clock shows 6:21
